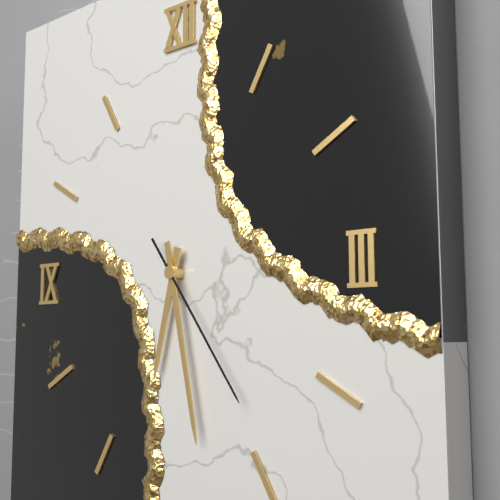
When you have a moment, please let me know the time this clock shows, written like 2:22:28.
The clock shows 6:28:24
